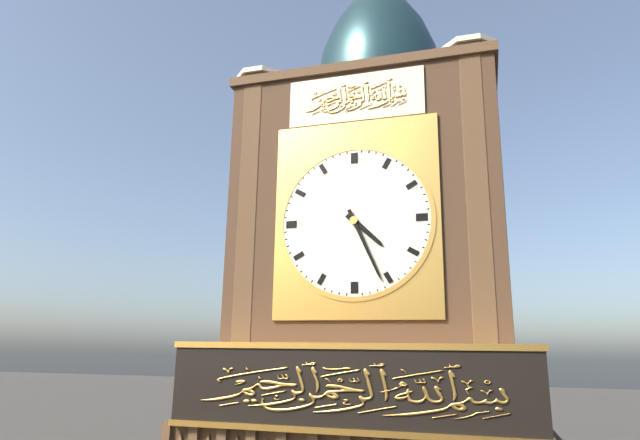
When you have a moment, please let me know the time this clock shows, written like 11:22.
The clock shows 4:26
